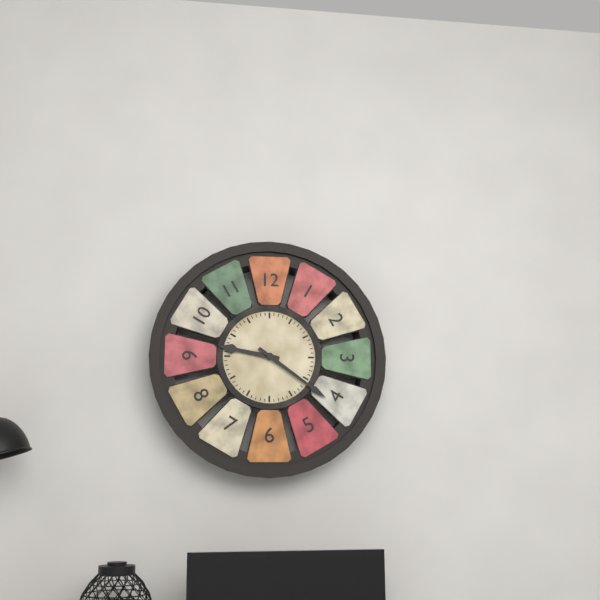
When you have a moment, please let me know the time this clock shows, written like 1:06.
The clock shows 9:21
